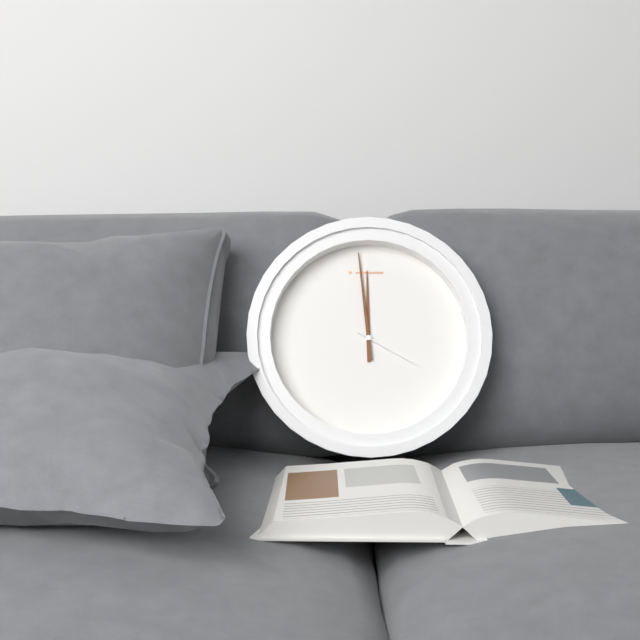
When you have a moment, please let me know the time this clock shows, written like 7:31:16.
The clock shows 11:59:20
